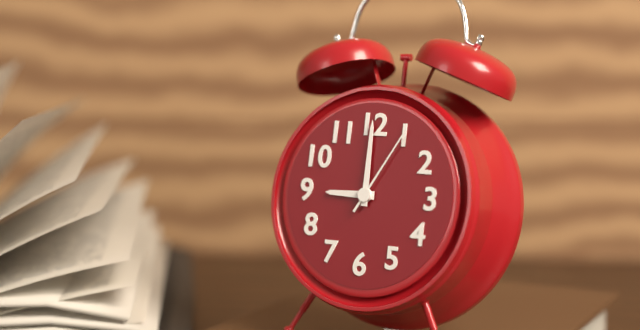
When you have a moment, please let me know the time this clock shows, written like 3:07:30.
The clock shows 9:00:05
